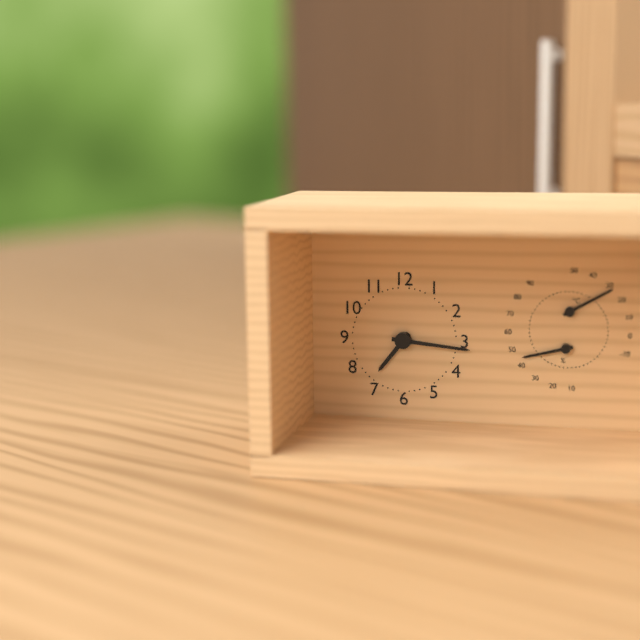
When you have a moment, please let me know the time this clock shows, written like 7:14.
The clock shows 7:16
